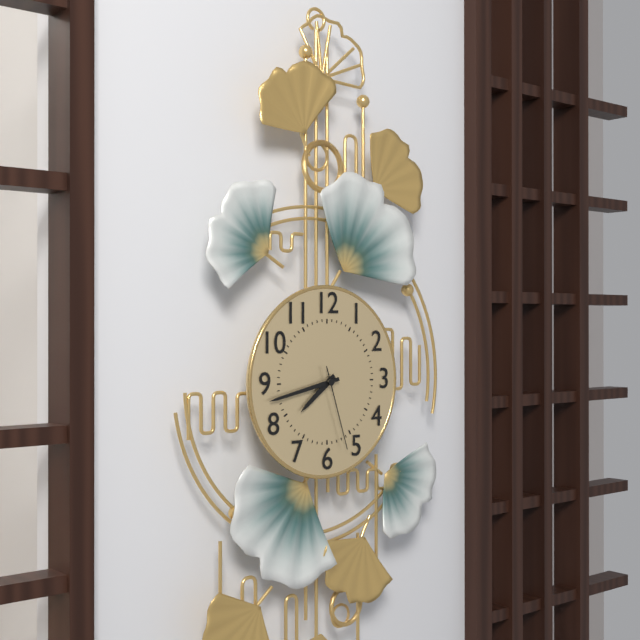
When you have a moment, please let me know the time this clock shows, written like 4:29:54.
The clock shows 7:43:27
